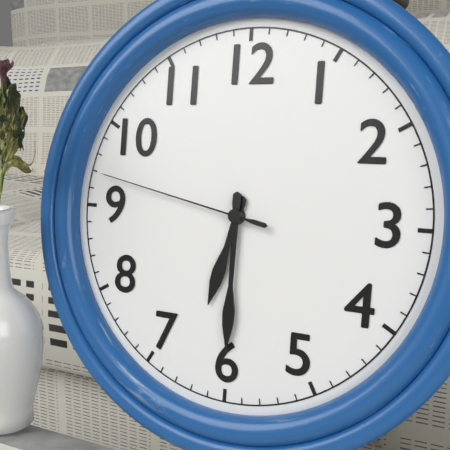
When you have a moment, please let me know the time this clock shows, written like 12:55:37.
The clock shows 6:30:47
